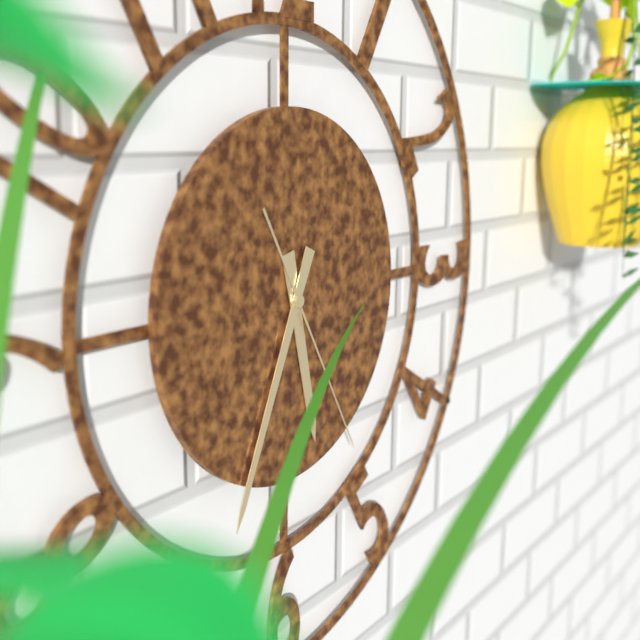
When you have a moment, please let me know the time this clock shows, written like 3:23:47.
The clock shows 5:34:25
